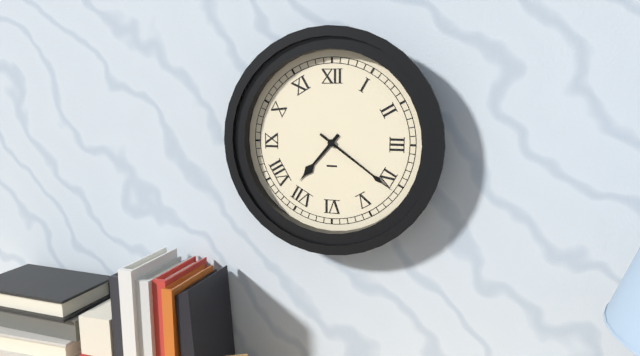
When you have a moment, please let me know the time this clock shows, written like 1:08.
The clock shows 7:21
